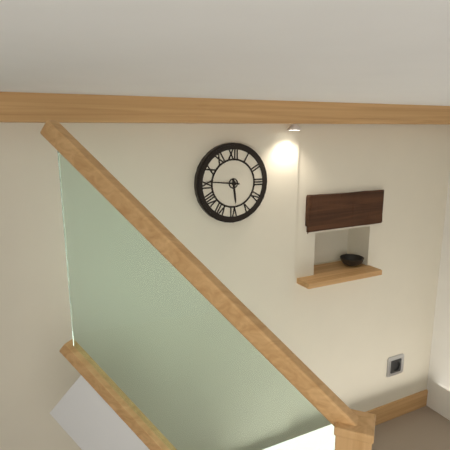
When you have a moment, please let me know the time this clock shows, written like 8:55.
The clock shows 5:46
